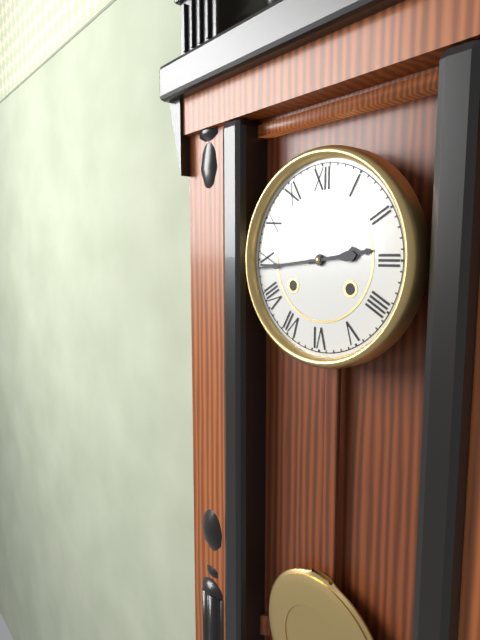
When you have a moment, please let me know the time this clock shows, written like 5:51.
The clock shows 2:44
